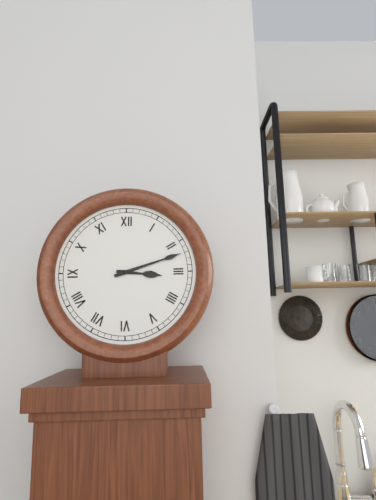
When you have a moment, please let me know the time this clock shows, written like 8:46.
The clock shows 3:12
